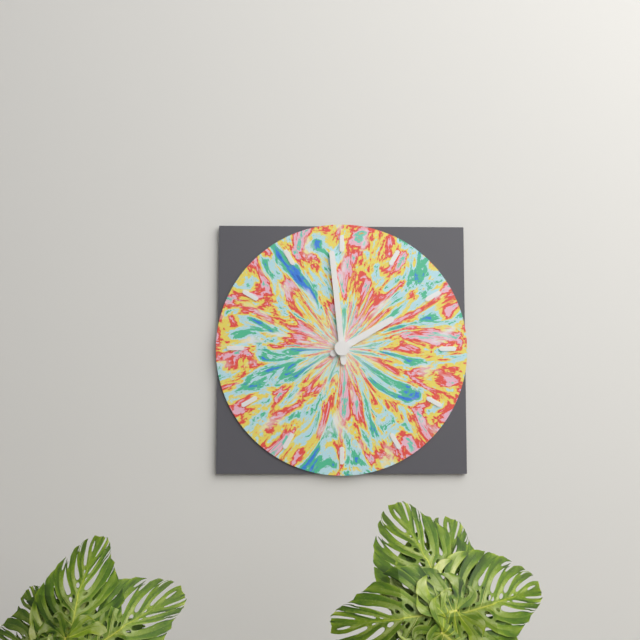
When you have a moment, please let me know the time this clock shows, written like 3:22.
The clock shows 1:59
